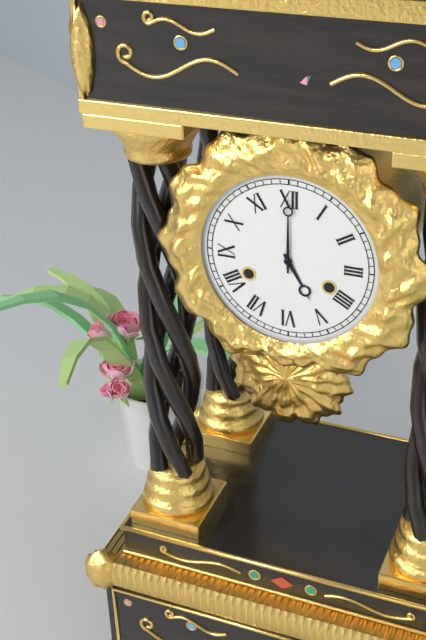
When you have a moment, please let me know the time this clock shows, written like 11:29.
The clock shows 5:00
